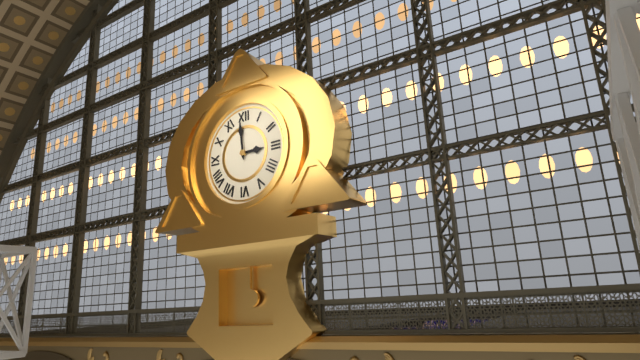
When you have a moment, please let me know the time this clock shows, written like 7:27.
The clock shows 2:59
